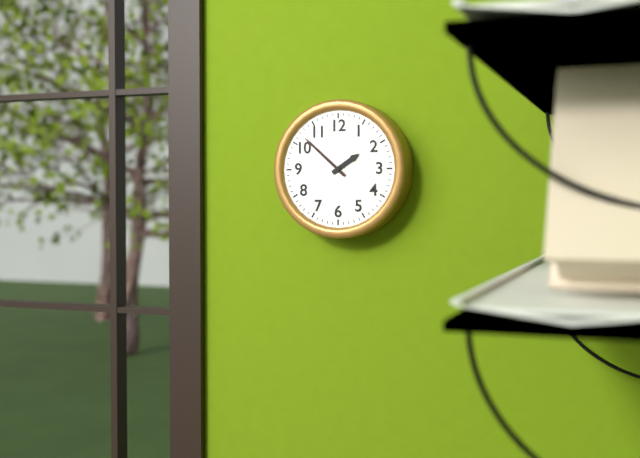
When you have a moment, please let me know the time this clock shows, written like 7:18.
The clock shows 1:52
